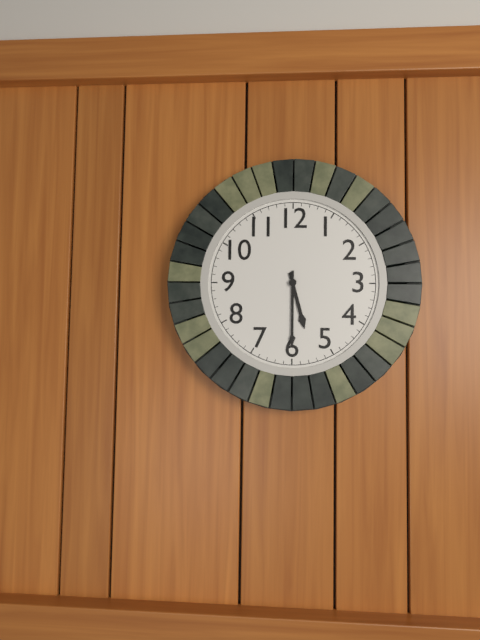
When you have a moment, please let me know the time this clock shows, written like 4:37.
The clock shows 5:30
